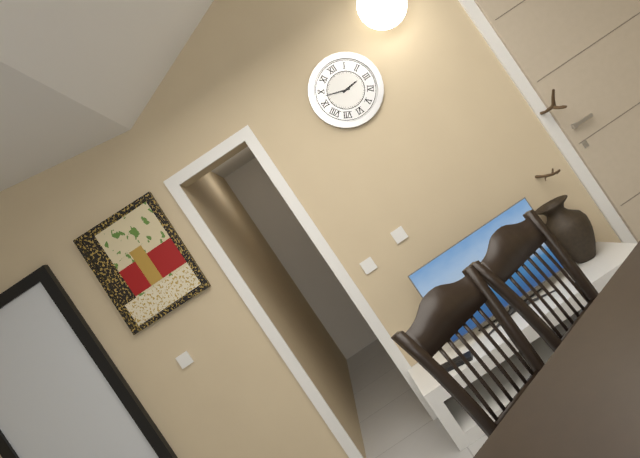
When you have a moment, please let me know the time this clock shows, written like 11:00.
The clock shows 2:48
